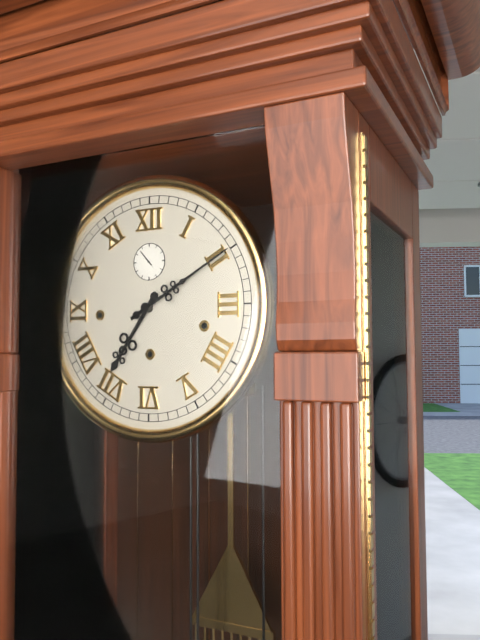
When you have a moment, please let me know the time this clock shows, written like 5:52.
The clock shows 7:10
